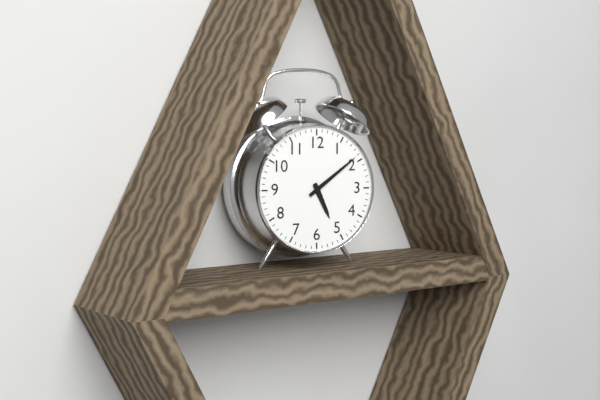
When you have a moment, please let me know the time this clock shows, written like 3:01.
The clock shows 5:09
